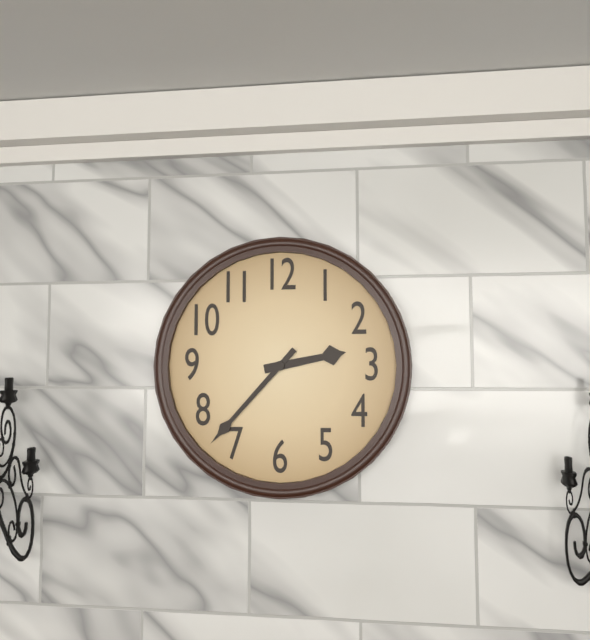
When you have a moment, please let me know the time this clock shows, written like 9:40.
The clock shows 2:37
